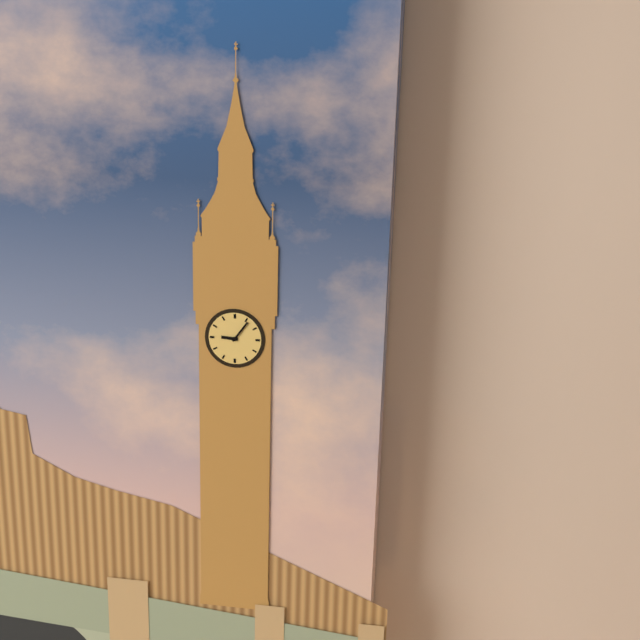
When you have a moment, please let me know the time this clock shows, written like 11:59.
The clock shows 9:06
